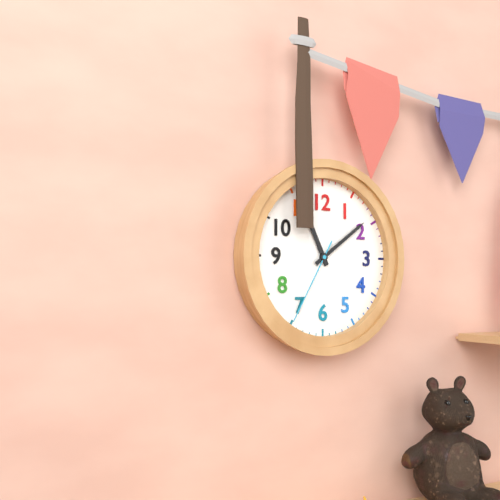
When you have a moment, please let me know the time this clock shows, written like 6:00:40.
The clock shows 11:09:35
